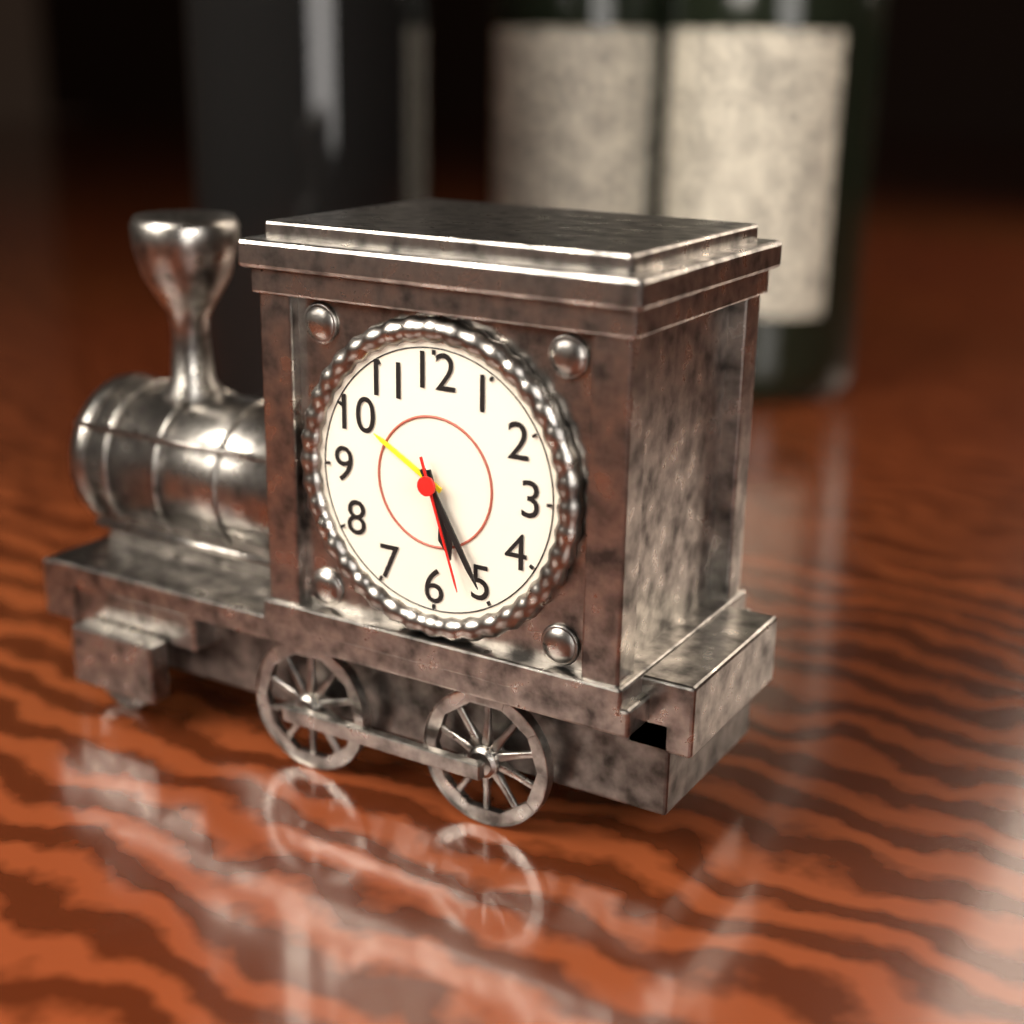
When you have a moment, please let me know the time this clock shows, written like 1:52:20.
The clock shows 5:25:27
